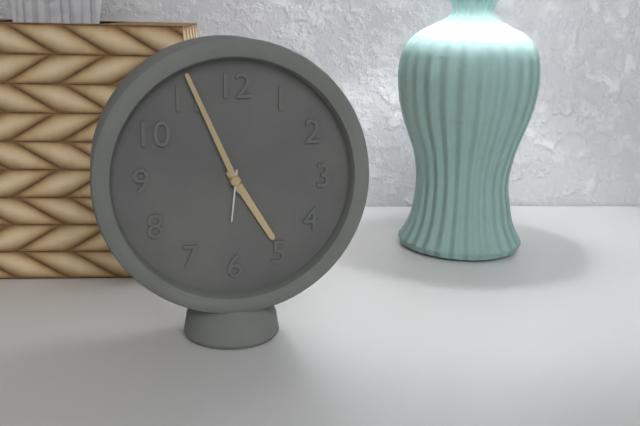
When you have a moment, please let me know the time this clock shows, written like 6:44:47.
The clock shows 4:56:31
